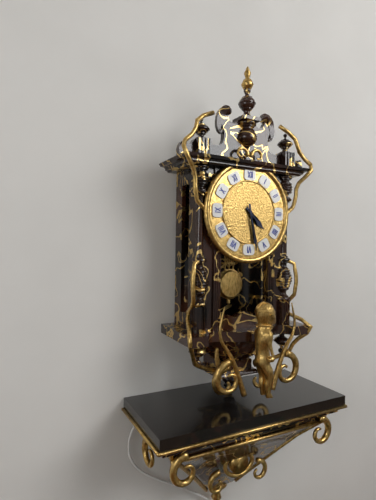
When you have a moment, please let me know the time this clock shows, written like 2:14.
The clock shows 4:28
